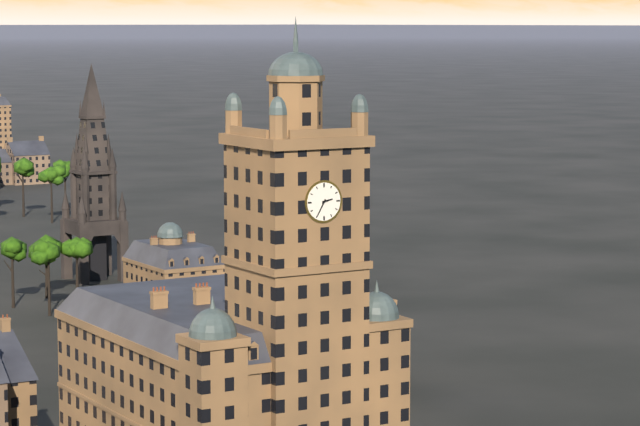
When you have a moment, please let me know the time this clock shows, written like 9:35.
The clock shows 2:35
